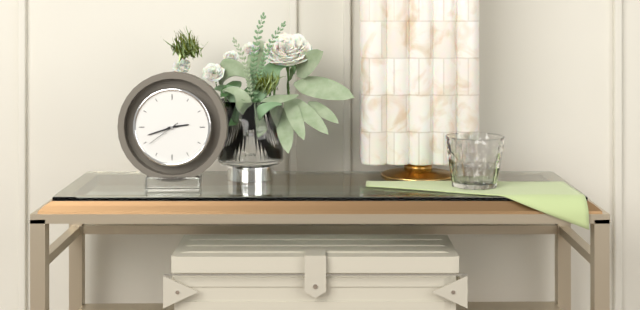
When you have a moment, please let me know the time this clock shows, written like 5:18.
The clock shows 2:42
